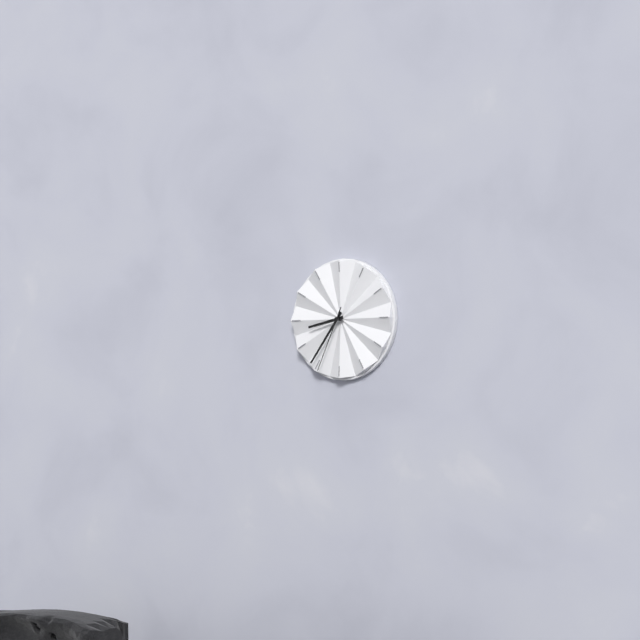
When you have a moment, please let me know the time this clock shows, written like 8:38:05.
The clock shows 8:36:34
